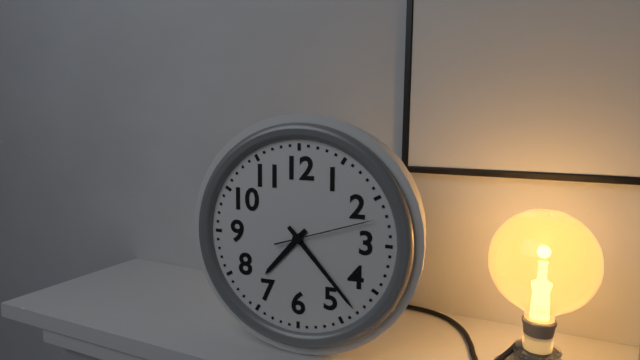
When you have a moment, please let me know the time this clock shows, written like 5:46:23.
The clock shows 7:23:12
